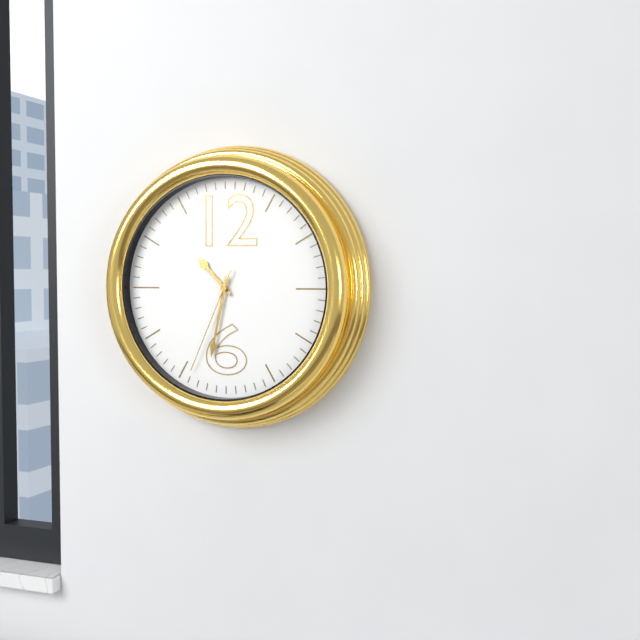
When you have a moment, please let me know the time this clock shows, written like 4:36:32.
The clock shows 10:32:34
